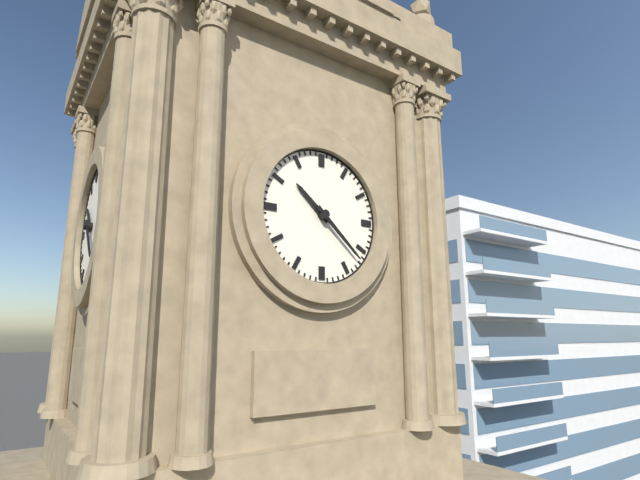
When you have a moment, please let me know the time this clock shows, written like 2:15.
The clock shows 10:22
